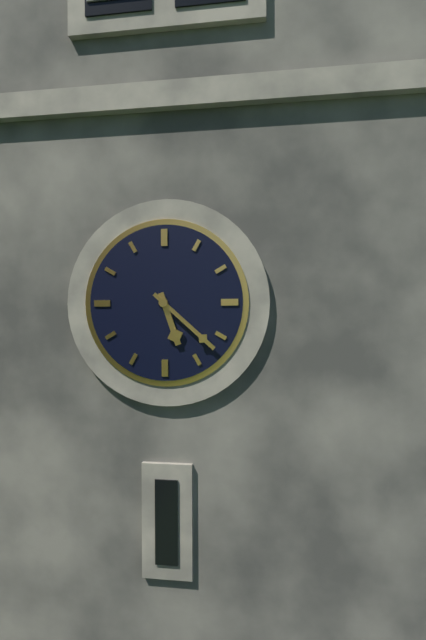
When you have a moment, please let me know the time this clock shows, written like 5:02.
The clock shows 5:22
